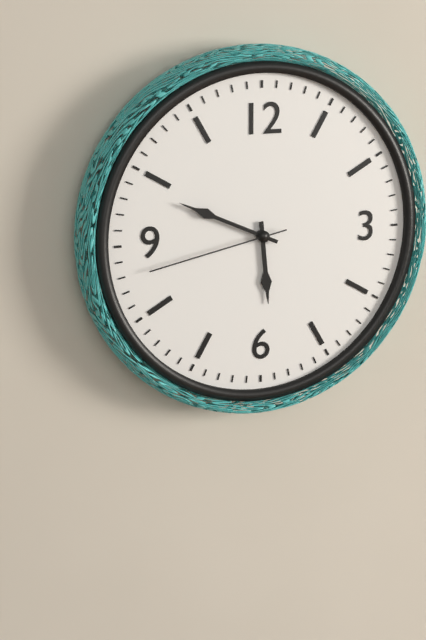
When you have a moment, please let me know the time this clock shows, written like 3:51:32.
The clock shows 5:49:43
